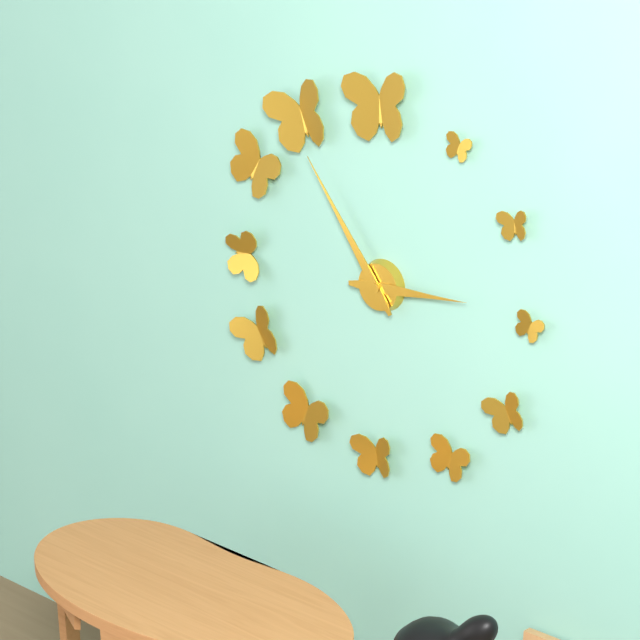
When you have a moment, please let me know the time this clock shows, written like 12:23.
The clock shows 2:54
